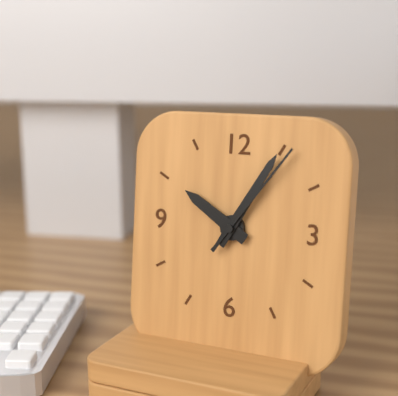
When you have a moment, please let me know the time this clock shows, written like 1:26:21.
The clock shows 10:05:06
